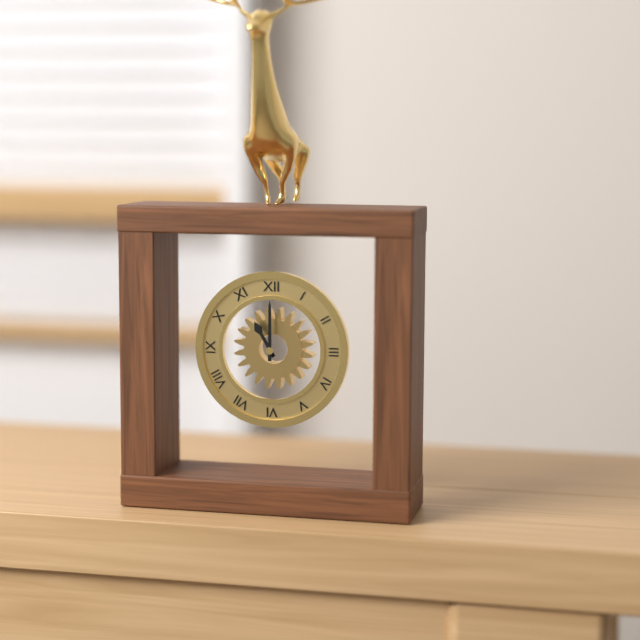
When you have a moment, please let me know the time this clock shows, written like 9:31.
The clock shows 11:00
